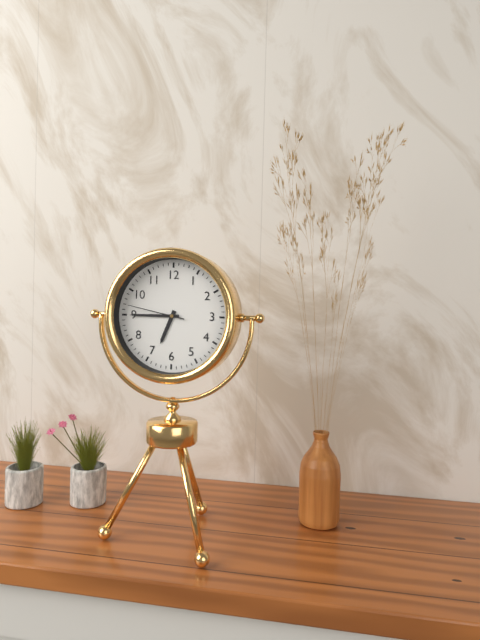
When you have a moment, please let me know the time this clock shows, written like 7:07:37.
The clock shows 6:45:47
